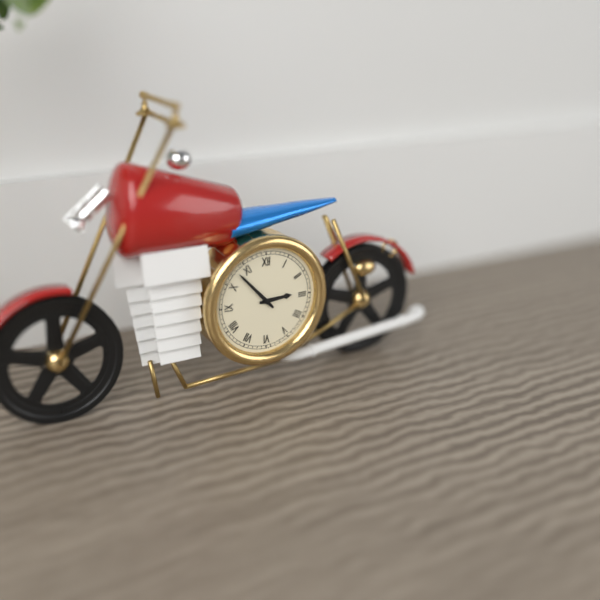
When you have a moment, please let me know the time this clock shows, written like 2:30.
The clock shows 2:53
